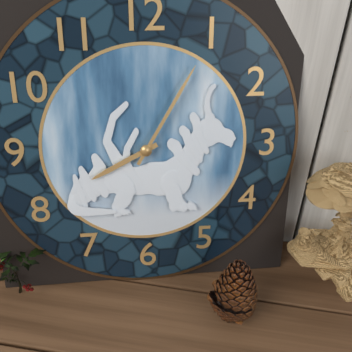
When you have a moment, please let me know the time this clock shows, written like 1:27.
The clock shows 8:05
